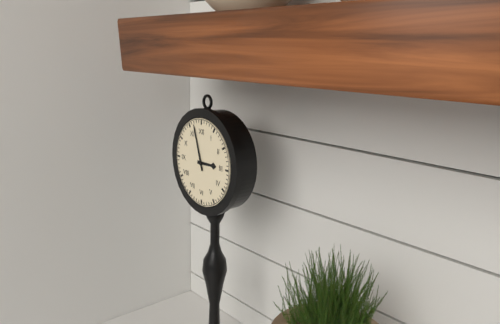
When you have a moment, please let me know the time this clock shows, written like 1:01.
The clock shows 2:57
